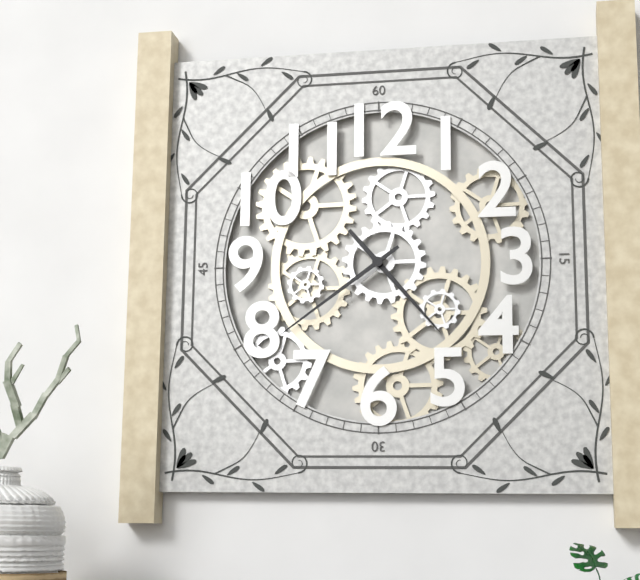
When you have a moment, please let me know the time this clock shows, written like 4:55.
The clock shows 4:39
